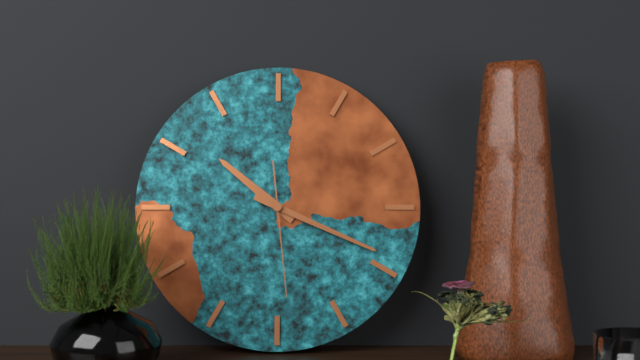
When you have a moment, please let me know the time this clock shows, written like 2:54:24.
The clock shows 10:19:29
